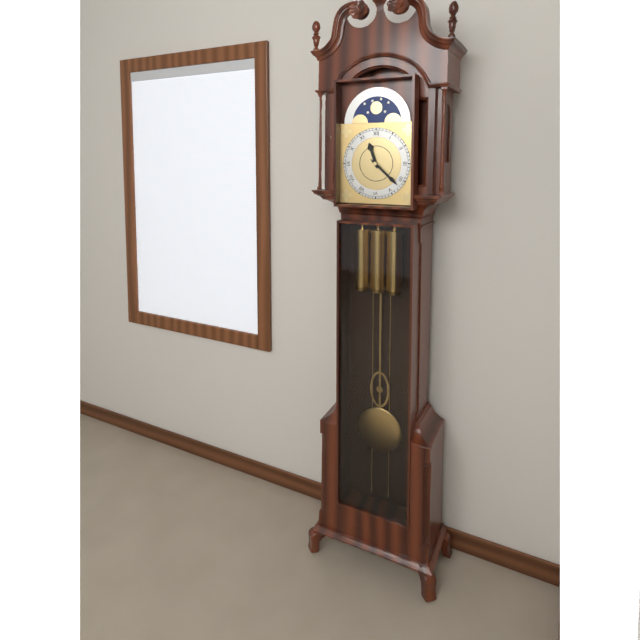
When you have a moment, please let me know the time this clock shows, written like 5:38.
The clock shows 11:22
